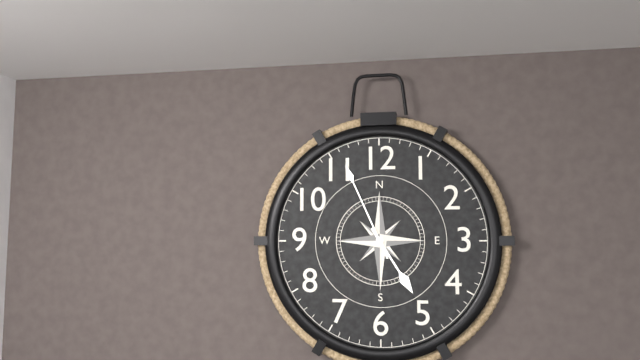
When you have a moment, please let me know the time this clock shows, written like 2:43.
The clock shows 4:56
